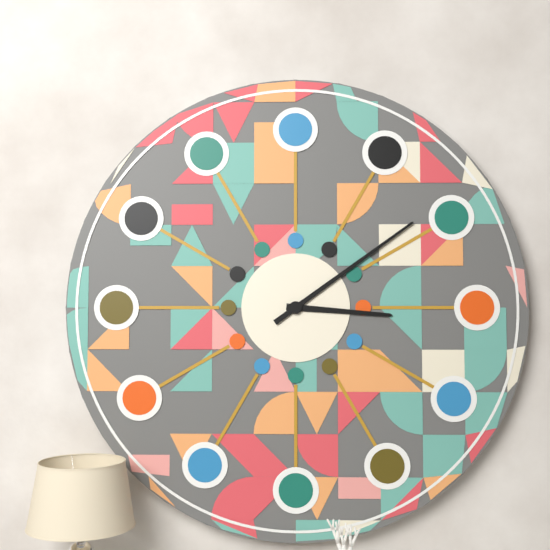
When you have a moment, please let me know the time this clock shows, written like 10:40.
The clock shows 3:09
